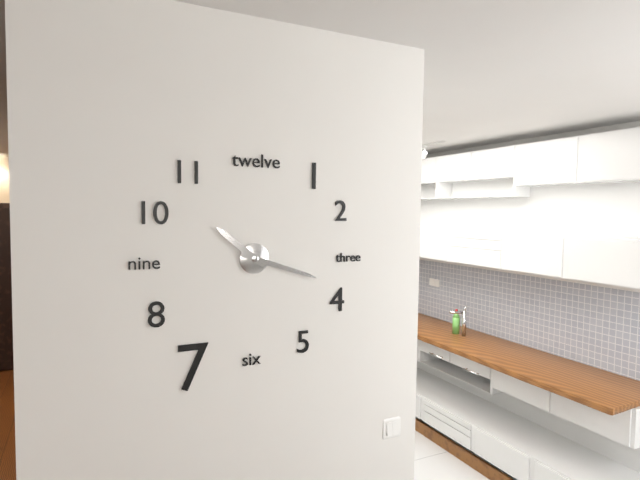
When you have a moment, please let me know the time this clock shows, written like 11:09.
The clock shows 10:18
